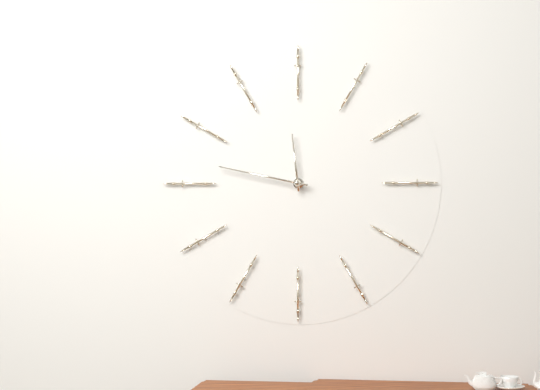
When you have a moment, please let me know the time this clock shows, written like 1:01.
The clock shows 11:47
